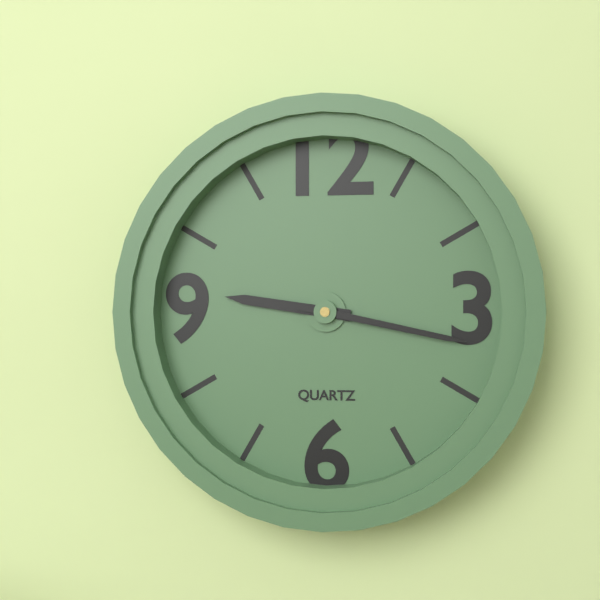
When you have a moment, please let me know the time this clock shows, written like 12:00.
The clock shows 9:17
